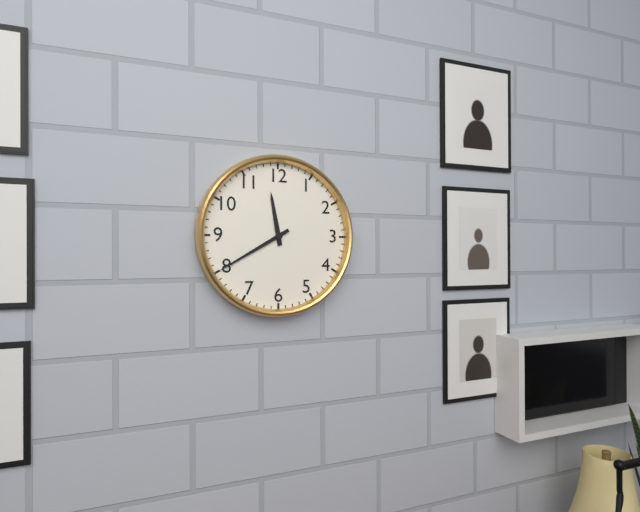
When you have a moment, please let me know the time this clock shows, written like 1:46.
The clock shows 11:40
